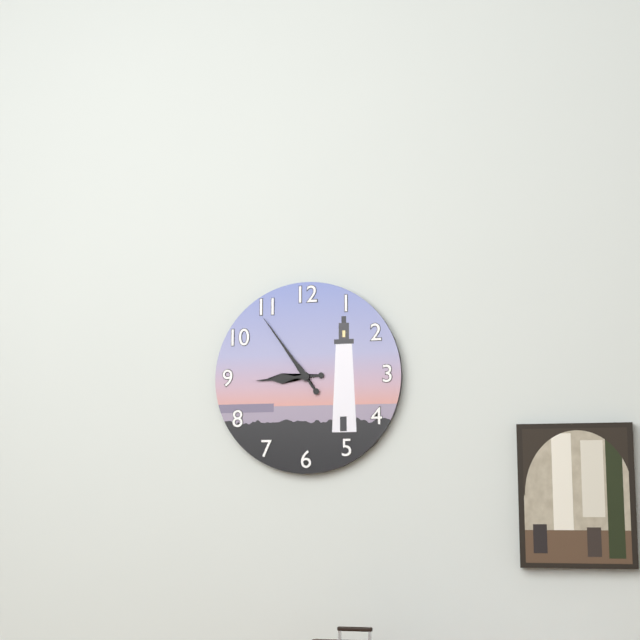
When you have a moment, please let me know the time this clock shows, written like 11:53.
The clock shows 8:54
